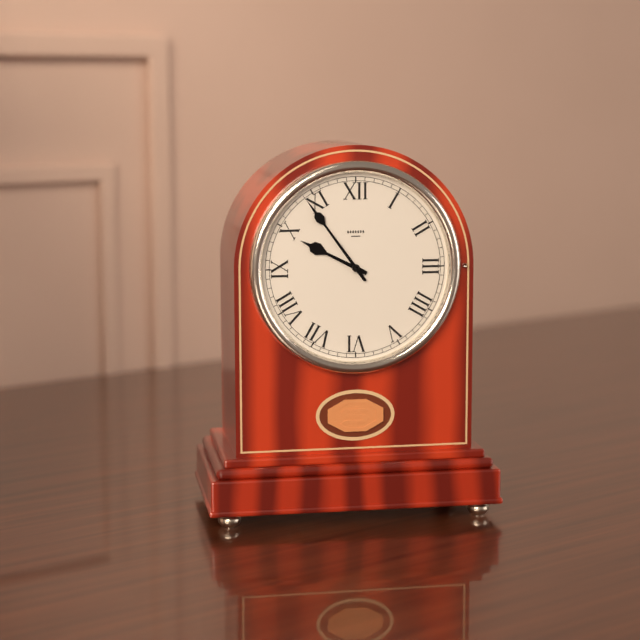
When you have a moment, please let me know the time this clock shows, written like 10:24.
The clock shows 9:54
